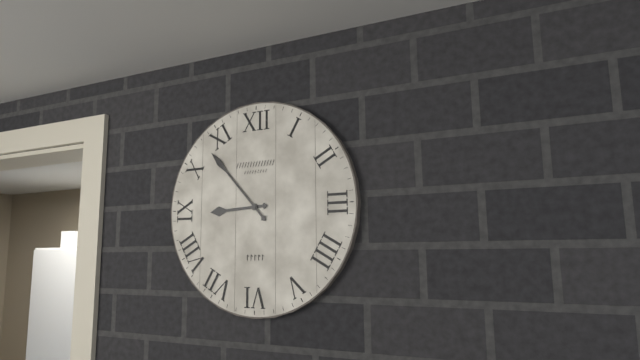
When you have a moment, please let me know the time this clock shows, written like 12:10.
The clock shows 8:53
